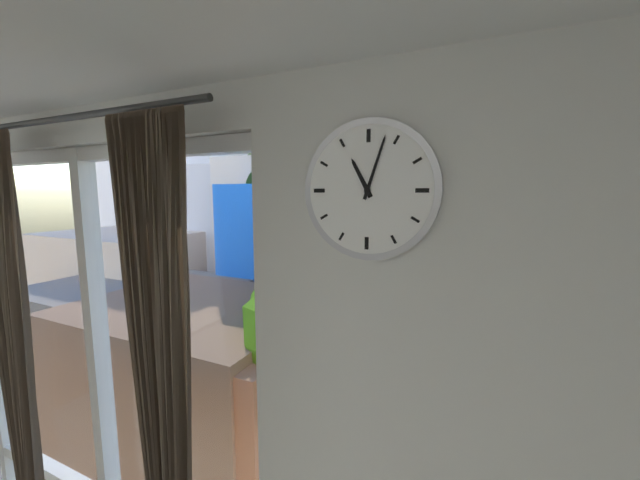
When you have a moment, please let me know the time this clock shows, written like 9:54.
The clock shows 11:03
